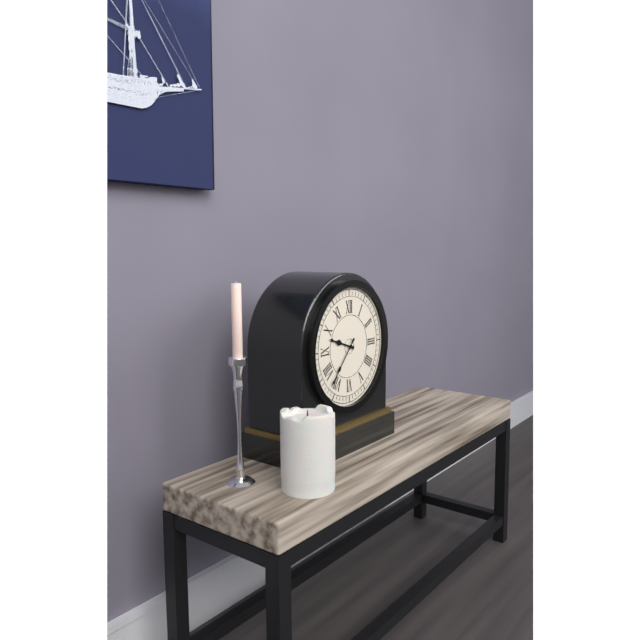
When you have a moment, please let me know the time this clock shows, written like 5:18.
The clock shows 9:37
